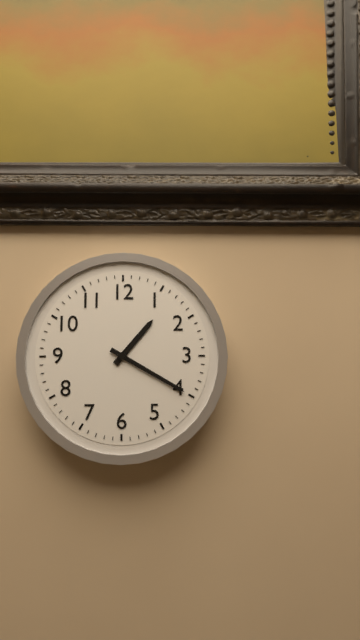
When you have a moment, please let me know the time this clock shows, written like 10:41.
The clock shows 1:20
